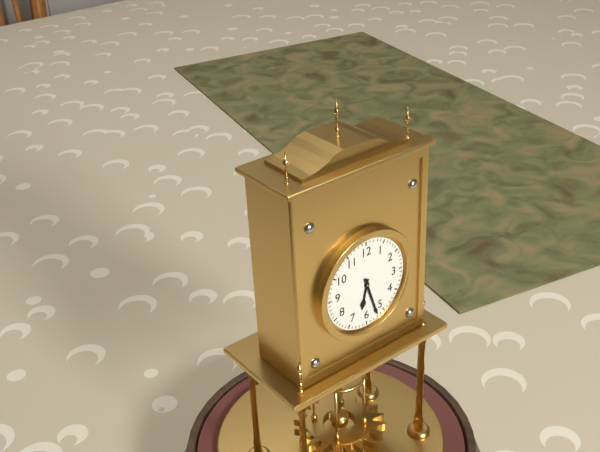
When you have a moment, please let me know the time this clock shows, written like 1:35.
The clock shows 6:27
